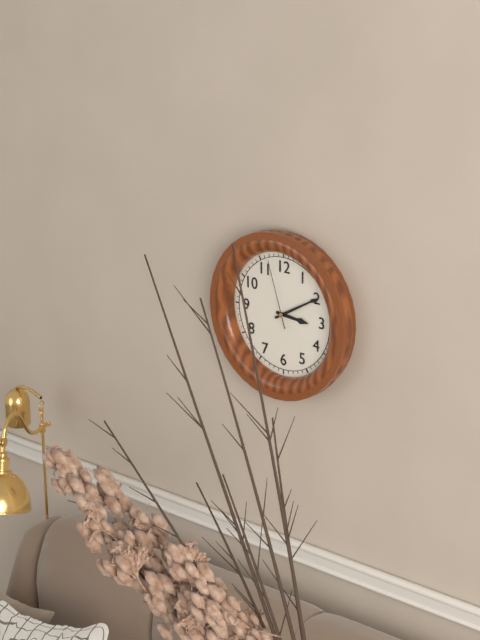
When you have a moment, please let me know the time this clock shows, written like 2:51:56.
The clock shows 3:10:57
